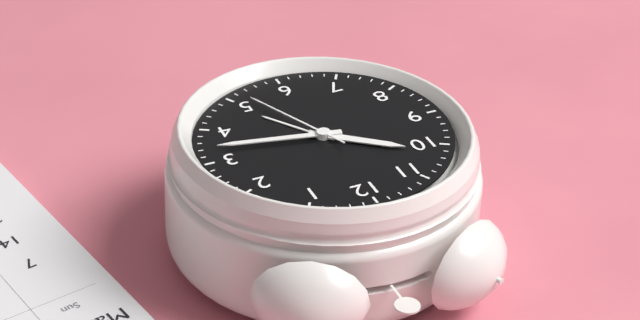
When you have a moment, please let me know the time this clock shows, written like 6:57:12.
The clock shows 10:17:26
